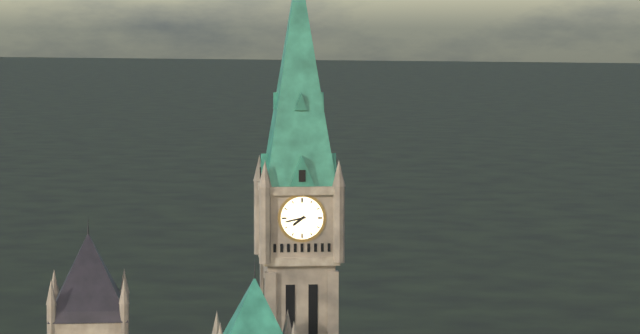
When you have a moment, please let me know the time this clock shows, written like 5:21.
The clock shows 7:43
